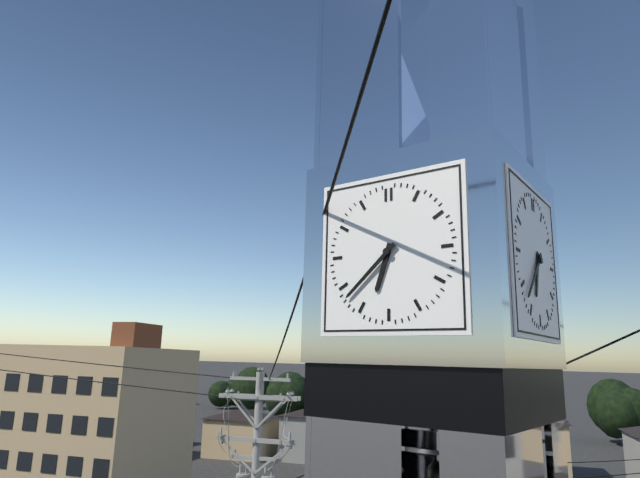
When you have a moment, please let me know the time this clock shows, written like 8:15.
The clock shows 6:38
